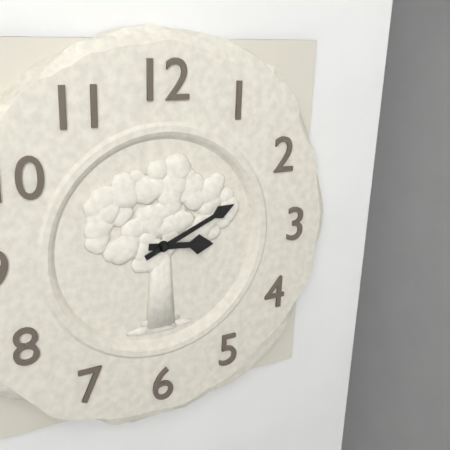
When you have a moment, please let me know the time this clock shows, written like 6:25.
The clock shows 3:11
